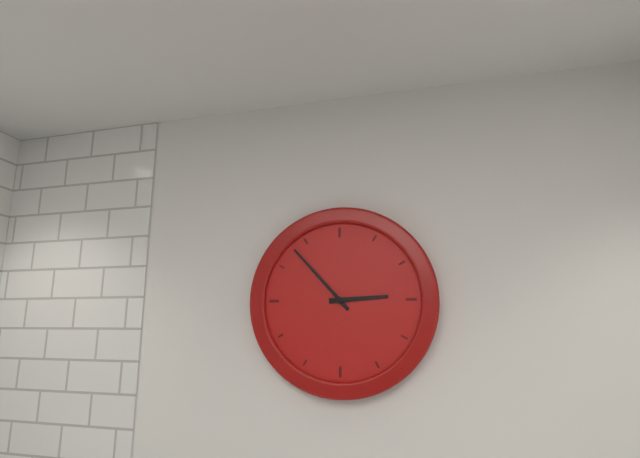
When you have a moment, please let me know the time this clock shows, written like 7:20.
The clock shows 2:53
